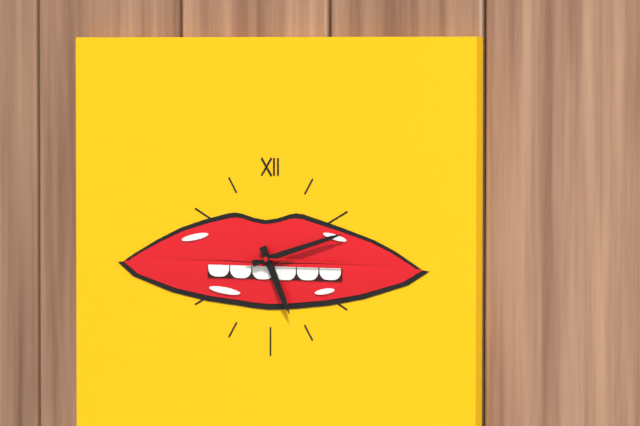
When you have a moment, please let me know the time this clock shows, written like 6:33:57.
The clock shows 5:12:15
